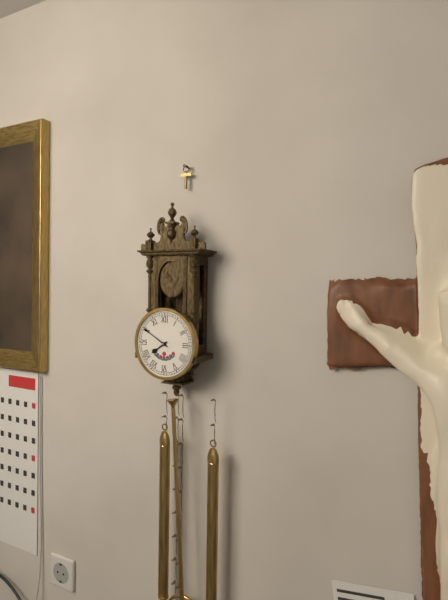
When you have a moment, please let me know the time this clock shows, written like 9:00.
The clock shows 7:50
